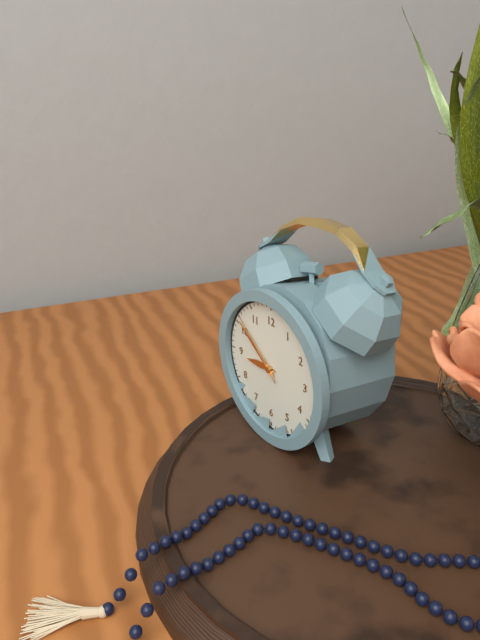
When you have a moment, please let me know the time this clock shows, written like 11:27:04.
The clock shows 8:51:52
